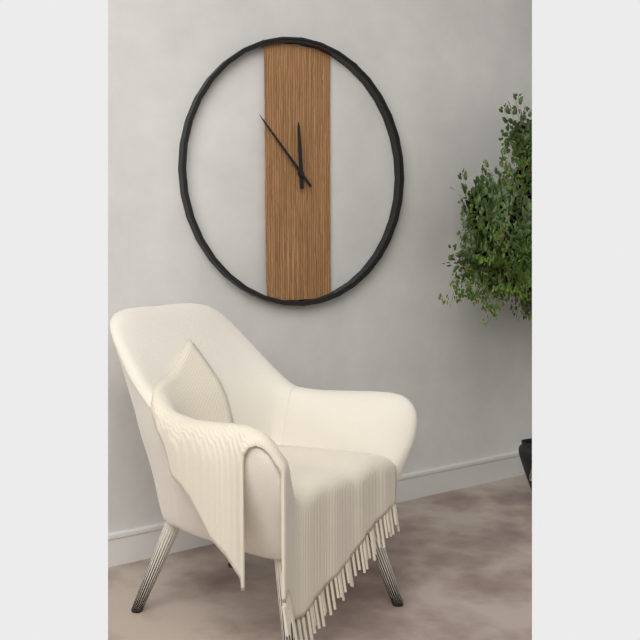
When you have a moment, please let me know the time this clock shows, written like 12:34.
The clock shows 11:53
